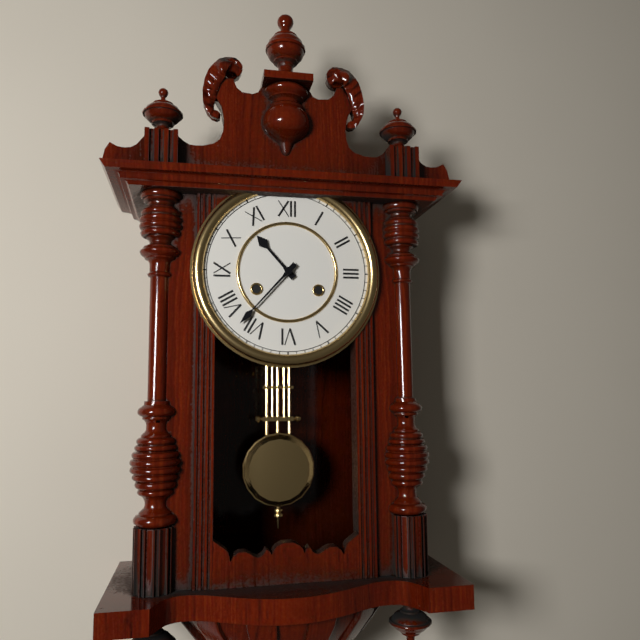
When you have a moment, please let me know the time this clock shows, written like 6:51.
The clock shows 10:37
